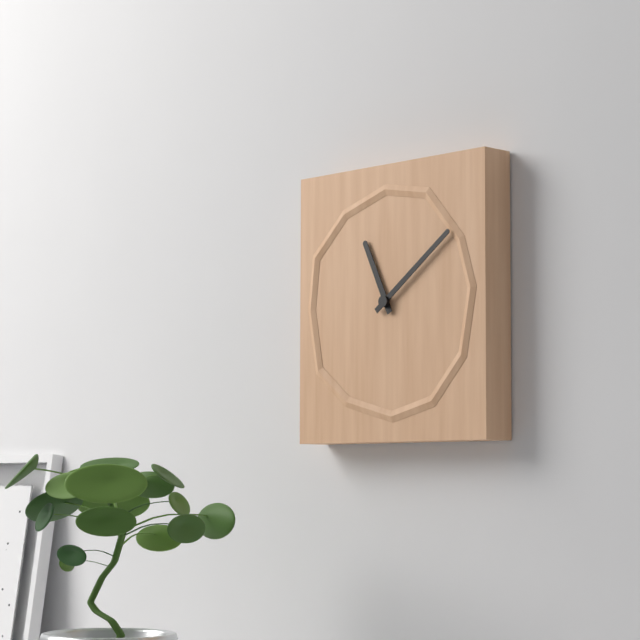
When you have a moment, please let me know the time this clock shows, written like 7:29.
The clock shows 11:09
